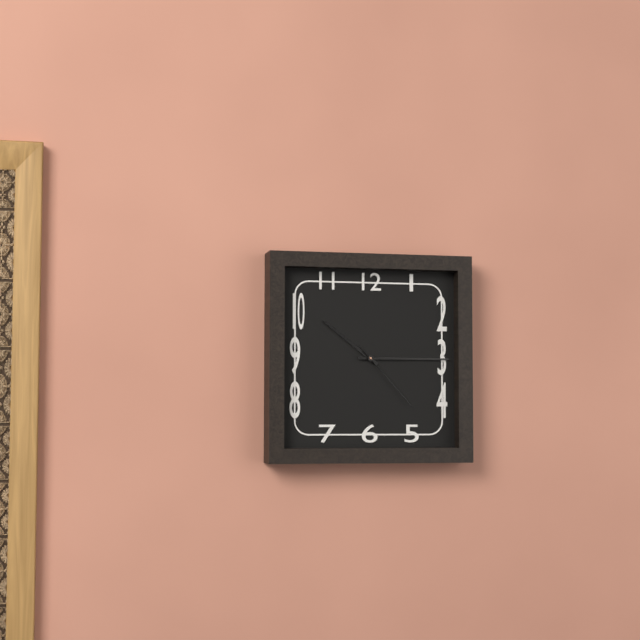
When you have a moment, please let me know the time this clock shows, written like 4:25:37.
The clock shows 10:15:23
